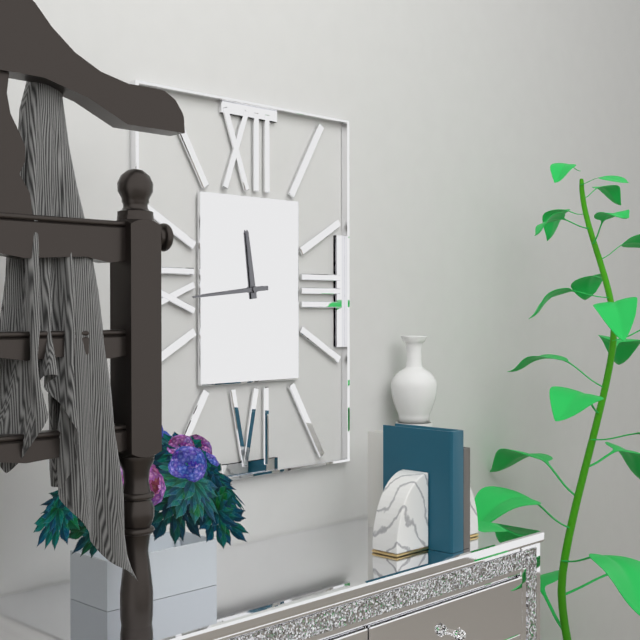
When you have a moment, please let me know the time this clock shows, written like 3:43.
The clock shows 11:44
